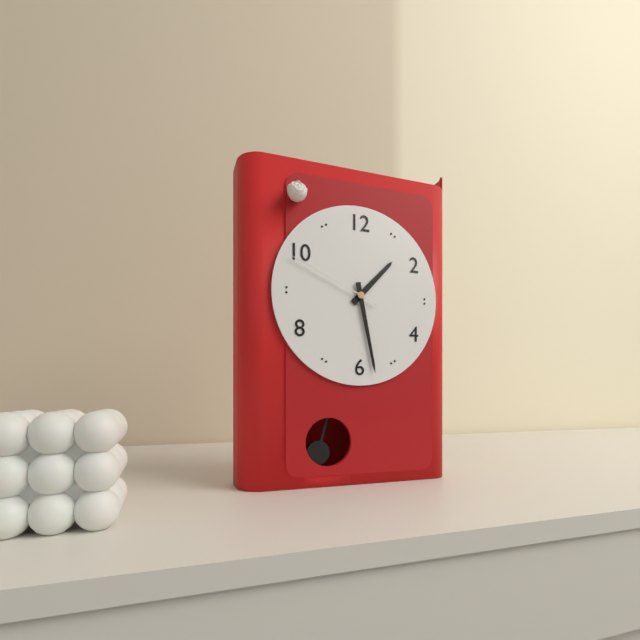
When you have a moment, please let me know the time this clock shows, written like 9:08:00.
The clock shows 1:28:49
